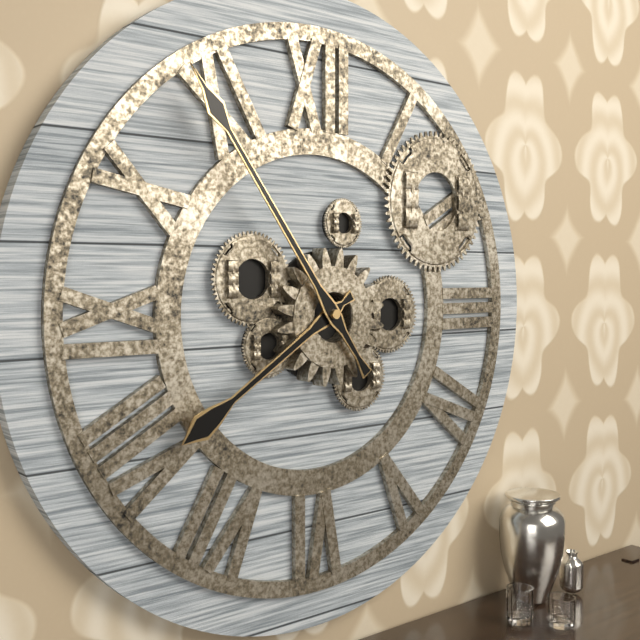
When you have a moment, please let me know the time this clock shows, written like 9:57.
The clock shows 7:54
